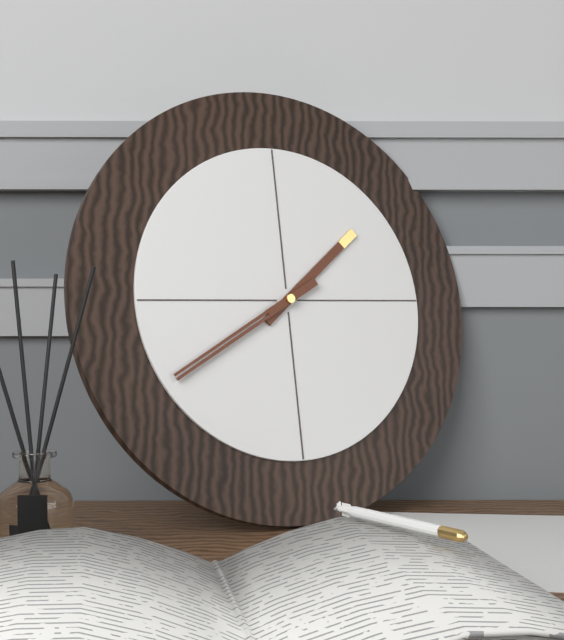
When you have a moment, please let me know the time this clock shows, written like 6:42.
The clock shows 1:40
